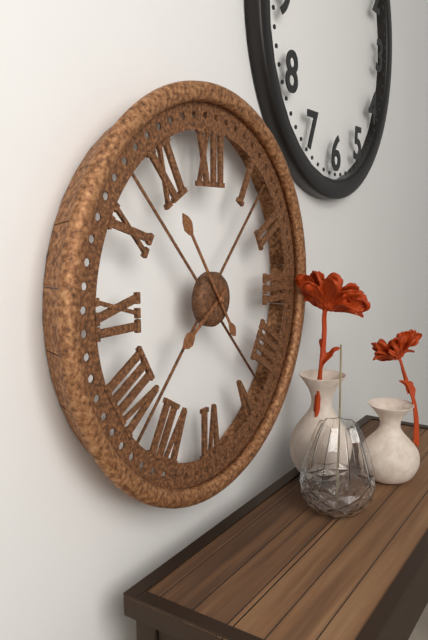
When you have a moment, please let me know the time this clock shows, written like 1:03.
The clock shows 7:54
